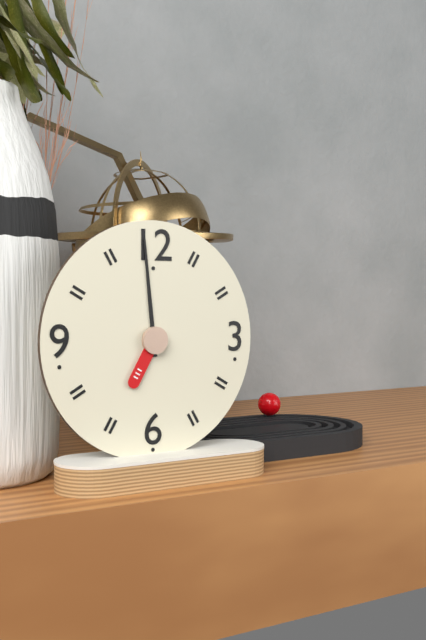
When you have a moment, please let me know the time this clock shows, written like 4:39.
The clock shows 6:59
